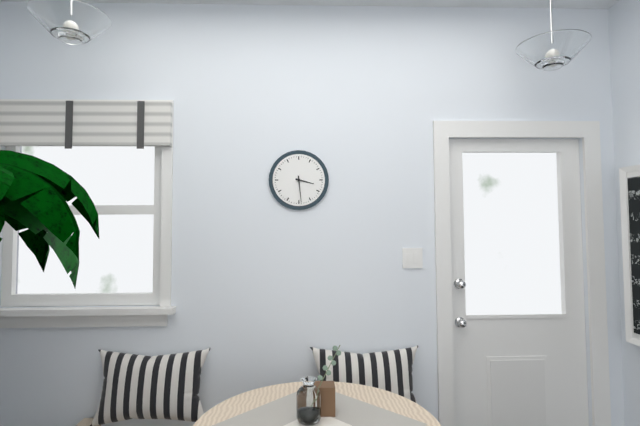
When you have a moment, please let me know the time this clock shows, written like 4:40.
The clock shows 3:29
